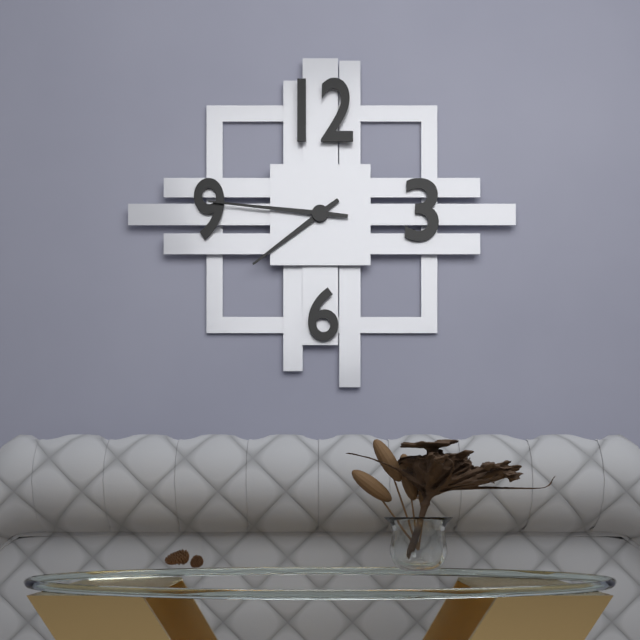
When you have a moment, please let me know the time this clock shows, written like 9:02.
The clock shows 7:46
